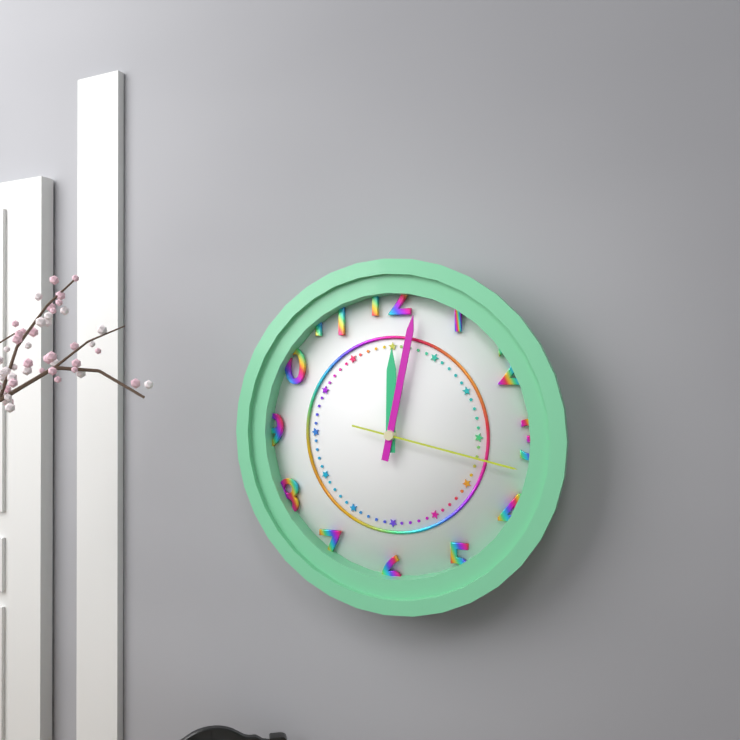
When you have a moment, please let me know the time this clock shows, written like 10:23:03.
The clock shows 12:02:17
